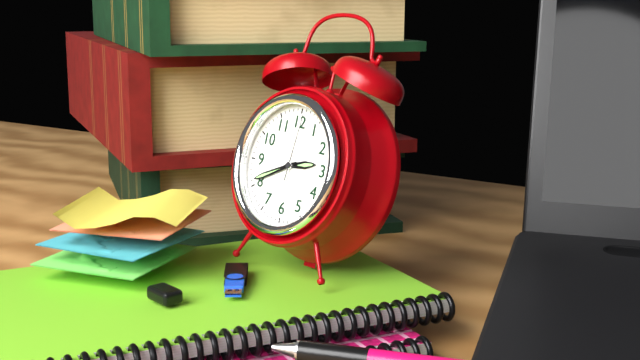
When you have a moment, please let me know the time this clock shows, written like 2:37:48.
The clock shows 2:41:01
